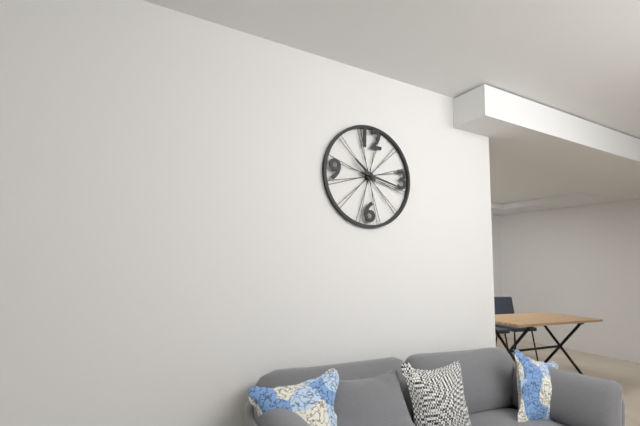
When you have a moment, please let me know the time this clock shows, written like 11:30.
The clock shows 10:17
